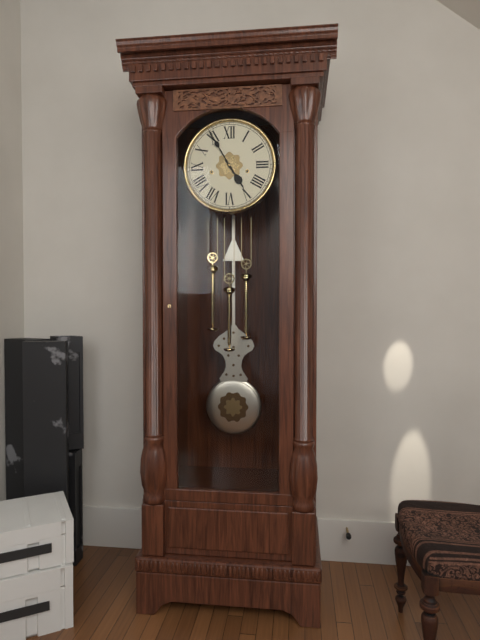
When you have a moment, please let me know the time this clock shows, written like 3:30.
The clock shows 4:55
